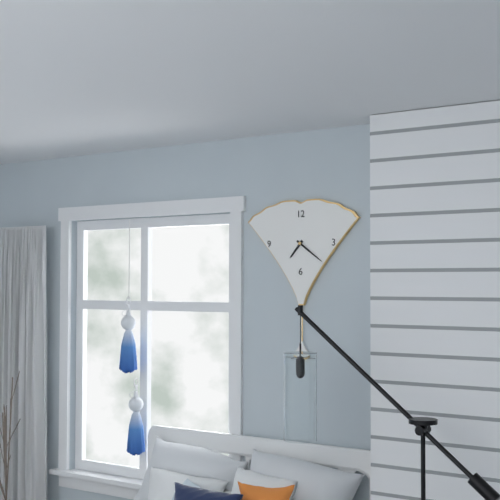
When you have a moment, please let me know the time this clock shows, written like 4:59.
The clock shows 7:21
